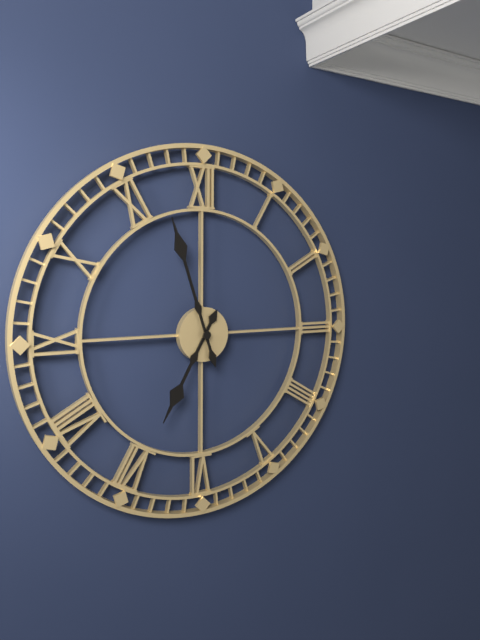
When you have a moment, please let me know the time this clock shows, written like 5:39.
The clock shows 6:57
